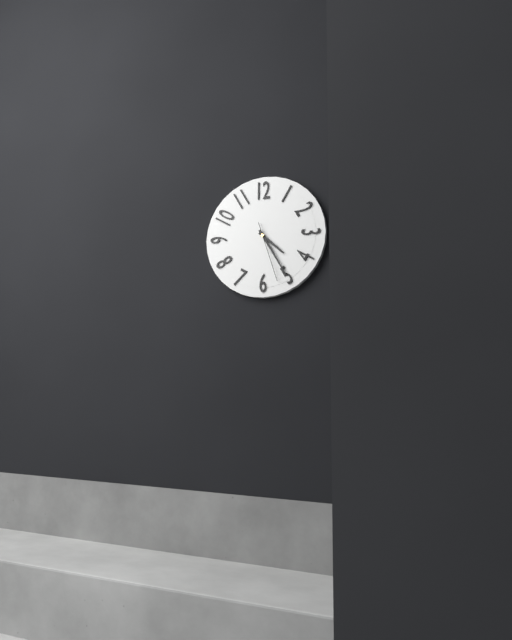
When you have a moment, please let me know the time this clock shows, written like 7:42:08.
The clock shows 4:25:27
